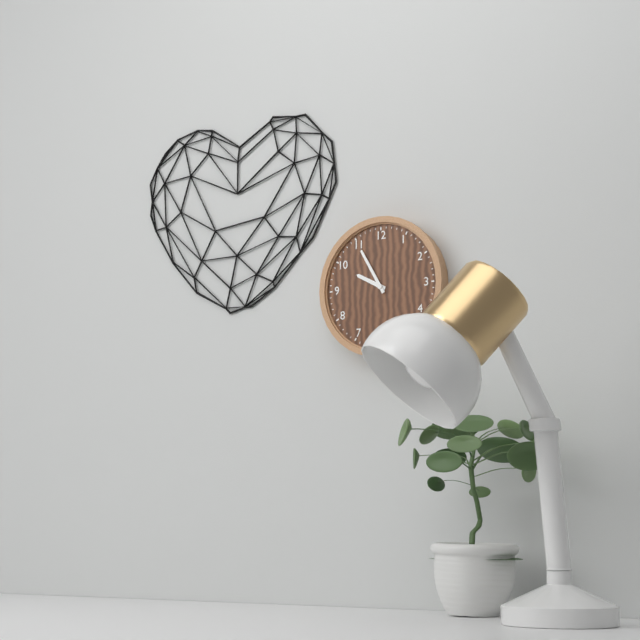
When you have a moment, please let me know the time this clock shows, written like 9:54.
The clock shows 9:55
